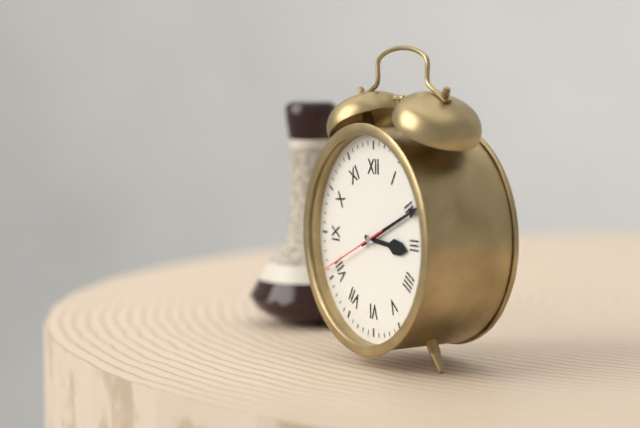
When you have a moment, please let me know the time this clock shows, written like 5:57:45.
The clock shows 3:11:41
